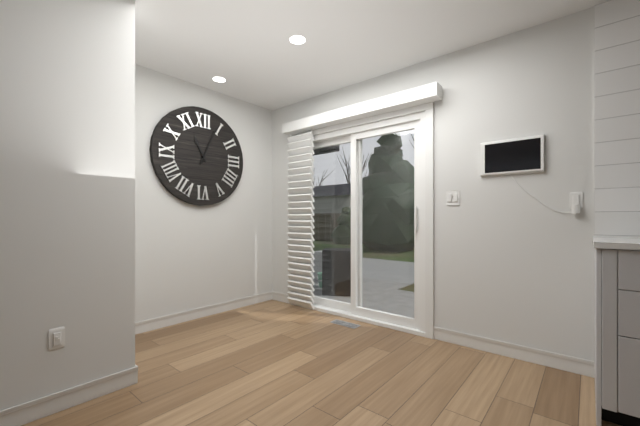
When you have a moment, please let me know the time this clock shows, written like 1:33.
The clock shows 11:04
